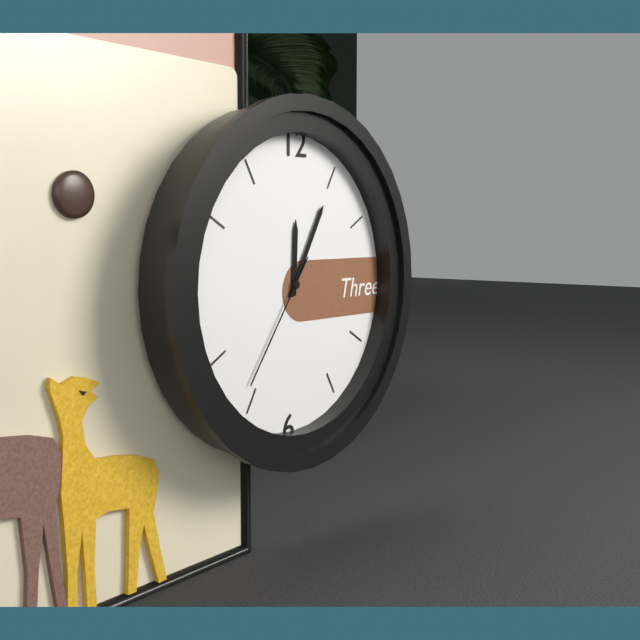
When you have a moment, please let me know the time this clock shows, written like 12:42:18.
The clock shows 12:05:36
